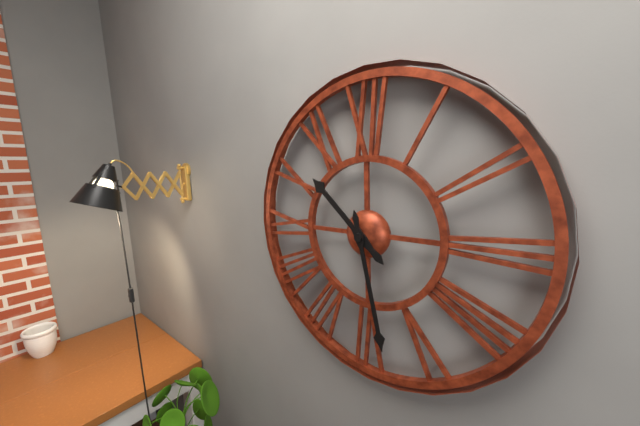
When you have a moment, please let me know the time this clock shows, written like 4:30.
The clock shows 10:28
